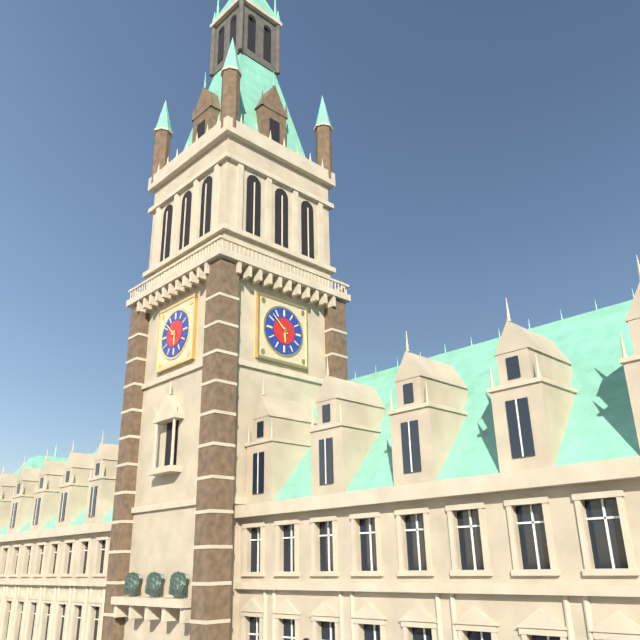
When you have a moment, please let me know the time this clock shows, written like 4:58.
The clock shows 5:52
